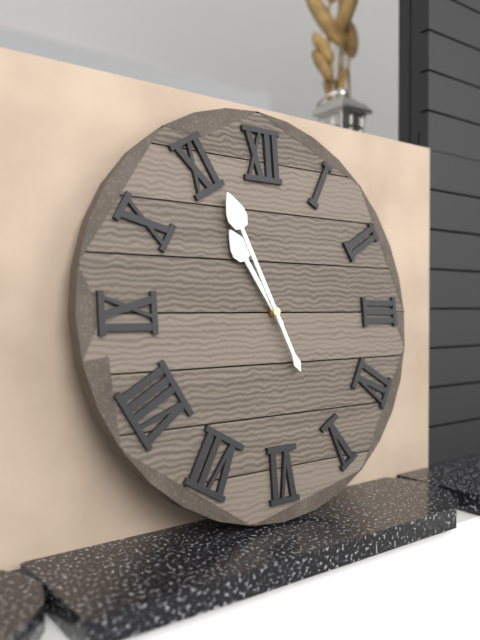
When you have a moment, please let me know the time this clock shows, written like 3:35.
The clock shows 10:56
